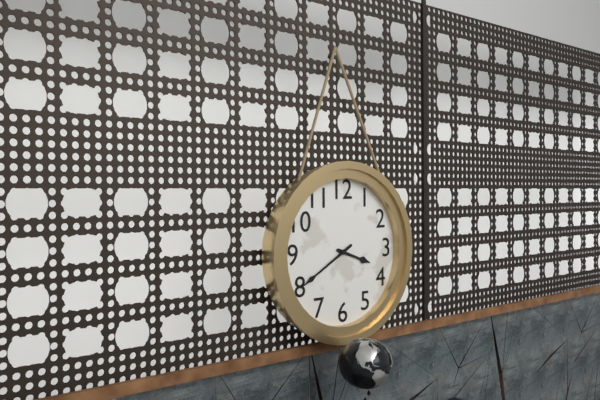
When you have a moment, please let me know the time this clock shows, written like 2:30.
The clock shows 3:40
